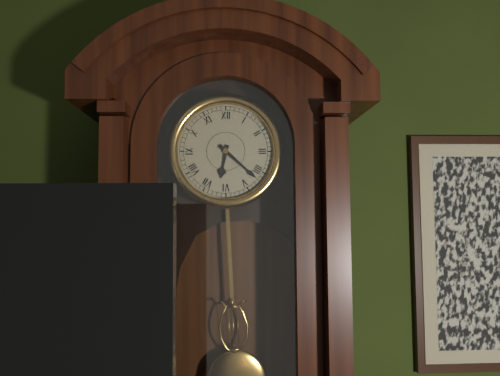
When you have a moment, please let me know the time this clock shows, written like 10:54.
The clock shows 6:22
